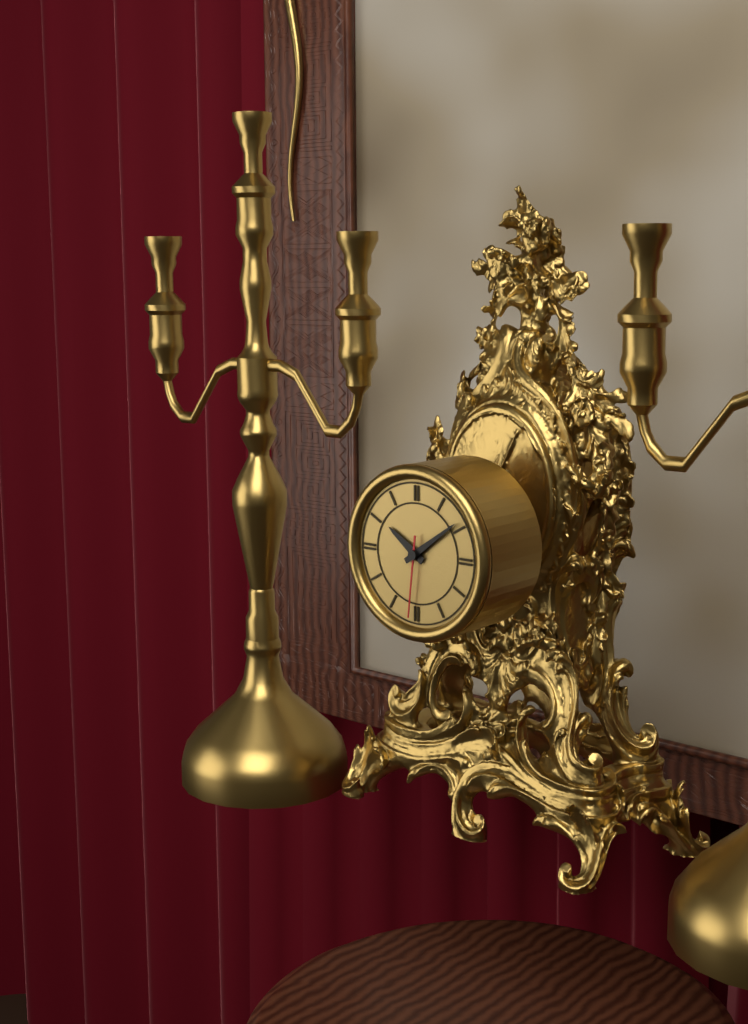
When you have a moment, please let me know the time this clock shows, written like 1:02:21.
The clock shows 10:09:31
